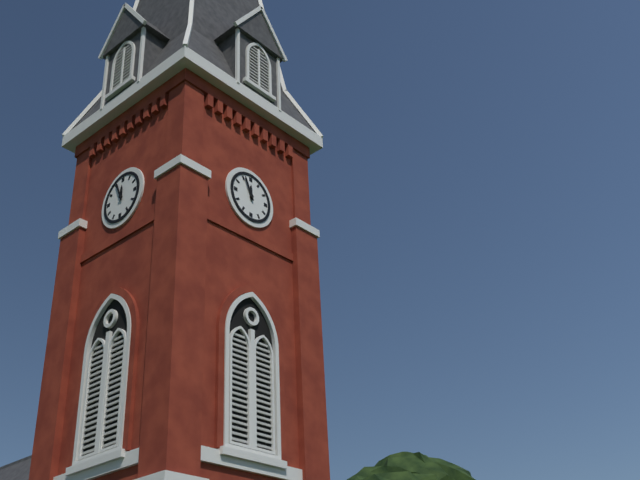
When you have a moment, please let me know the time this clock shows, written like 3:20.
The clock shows 11:56
